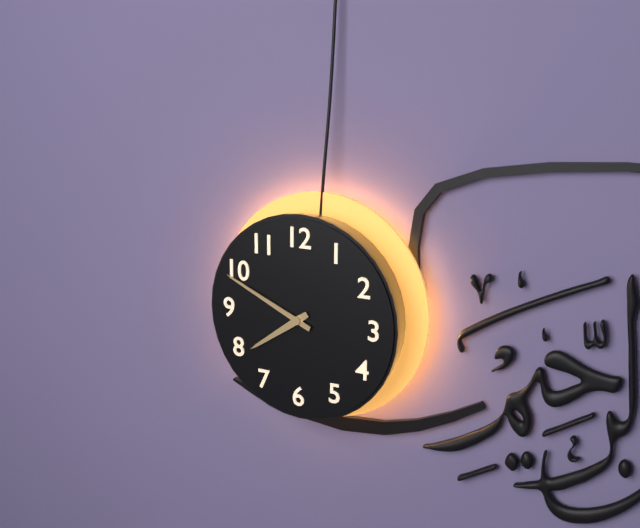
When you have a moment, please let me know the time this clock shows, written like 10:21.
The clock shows 7:49
